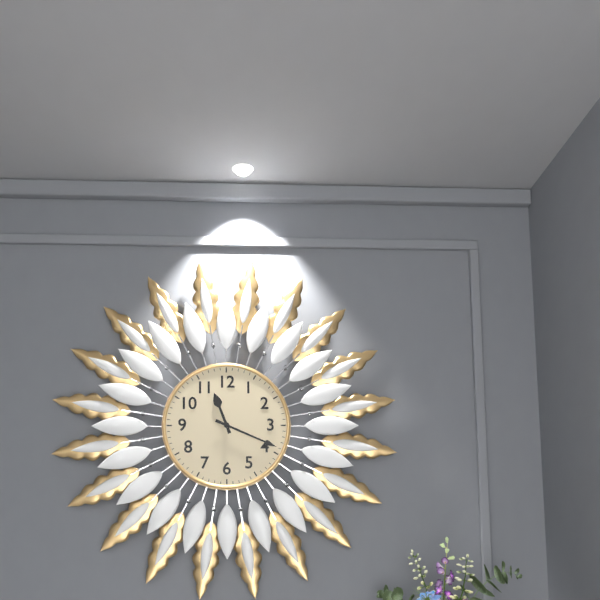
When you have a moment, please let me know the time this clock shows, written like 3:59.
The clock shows 11:19
